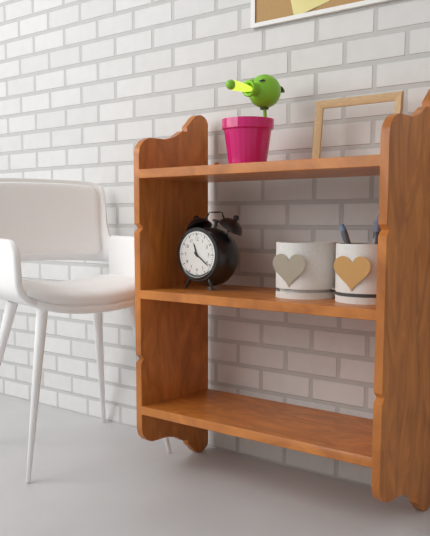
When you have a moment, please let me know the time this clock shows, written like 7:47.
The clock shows 11:21
